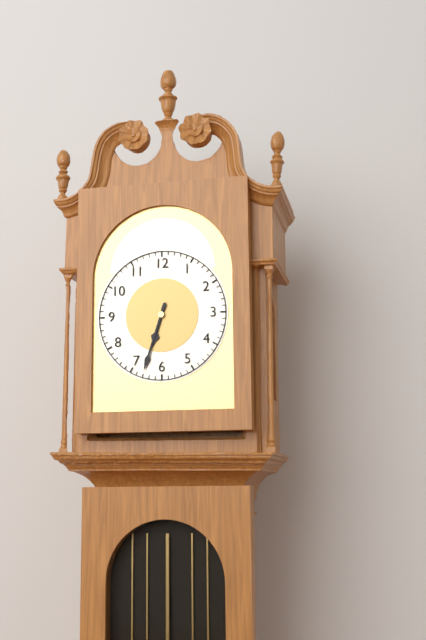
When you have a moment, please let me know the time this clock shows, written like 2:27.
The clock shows 6:33
